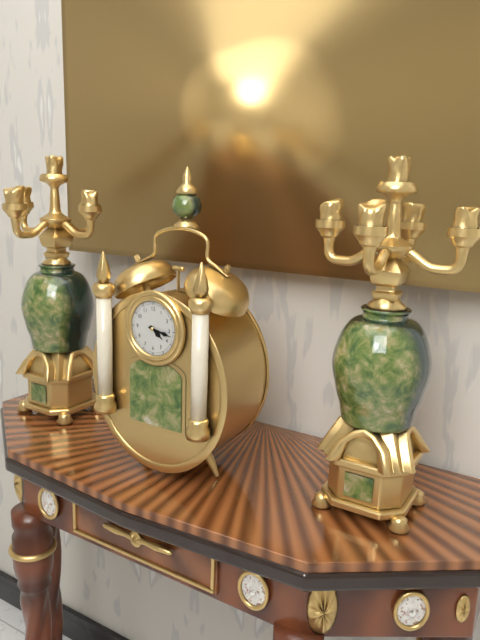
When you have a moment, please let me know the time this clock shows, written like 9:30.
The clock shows 4:17
